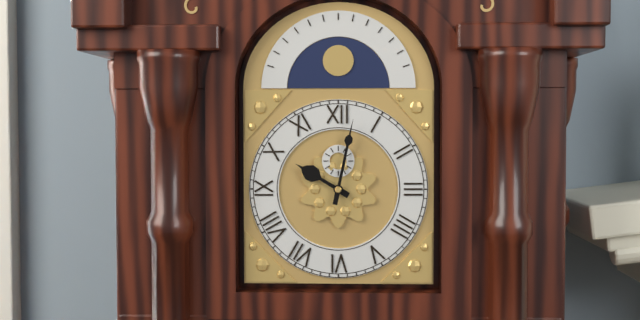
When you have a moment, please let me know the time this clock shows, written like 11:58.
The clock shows 10:02
